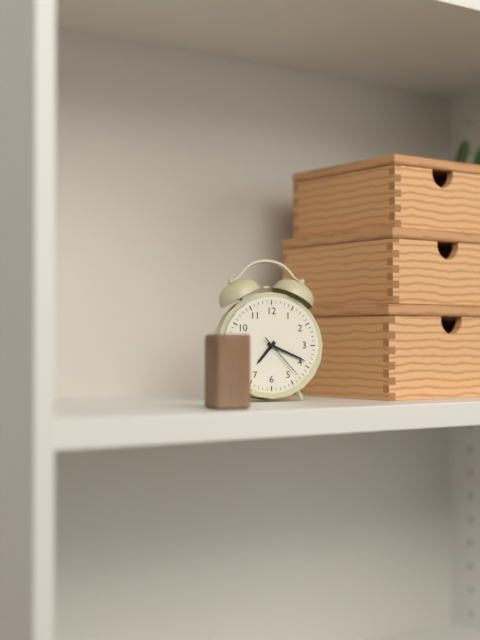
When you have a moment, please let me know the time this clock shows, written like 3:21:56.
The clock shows 7:19:23
